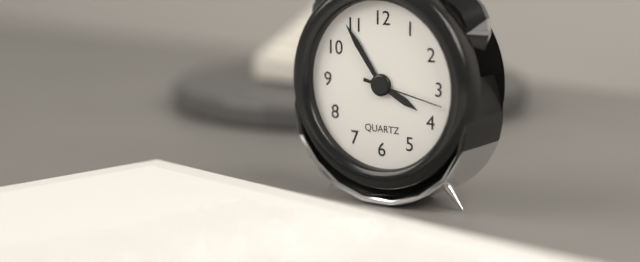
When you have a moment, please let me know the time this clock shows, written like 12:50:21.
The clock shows 3:54:17
